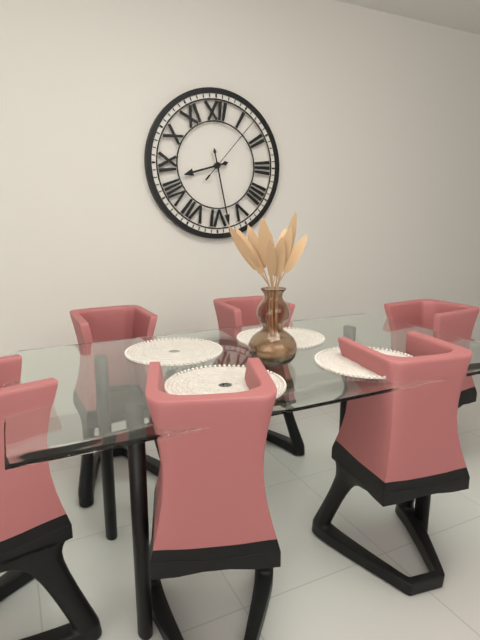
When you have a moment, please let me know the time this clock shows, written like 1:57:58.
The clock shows 8:28:07
